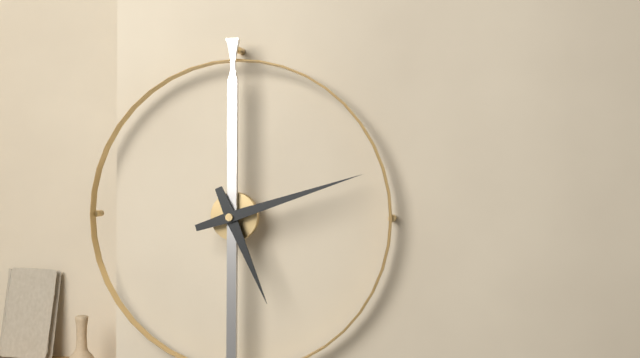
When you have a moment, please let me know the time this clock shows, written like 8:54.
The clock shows 5:12
